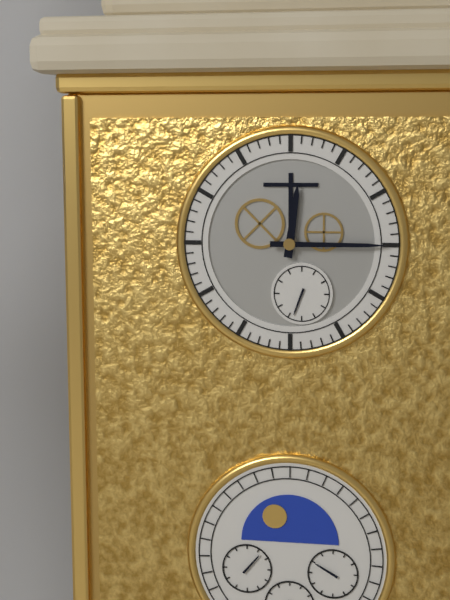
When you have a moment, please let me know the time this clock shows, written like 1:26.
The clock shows 12:15
